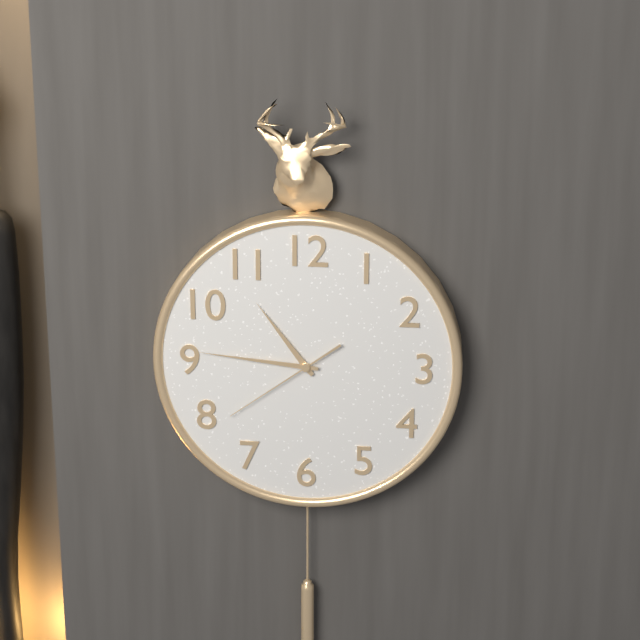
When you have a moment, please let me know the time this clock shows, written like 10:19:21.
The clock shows 10:46:39
